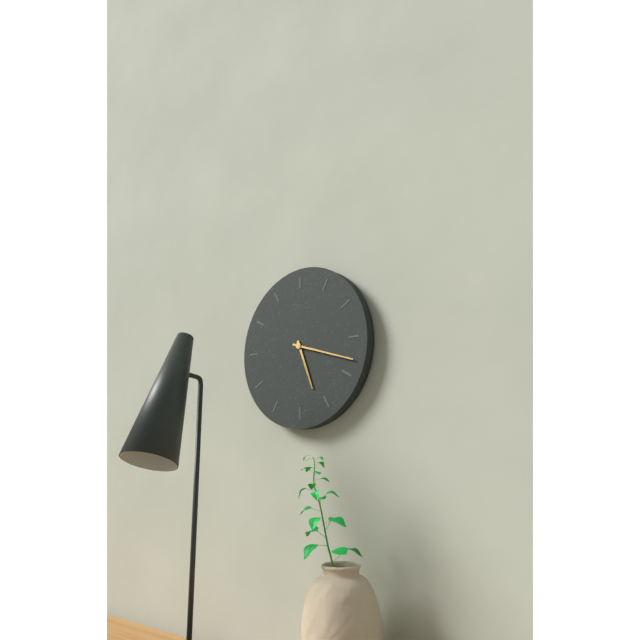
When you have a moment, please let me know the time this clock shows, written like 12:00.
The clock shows 5:18
